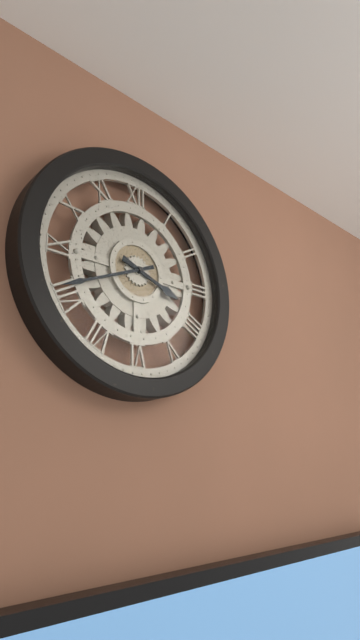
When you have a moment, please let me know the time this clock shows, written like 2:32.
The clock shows 3:41
